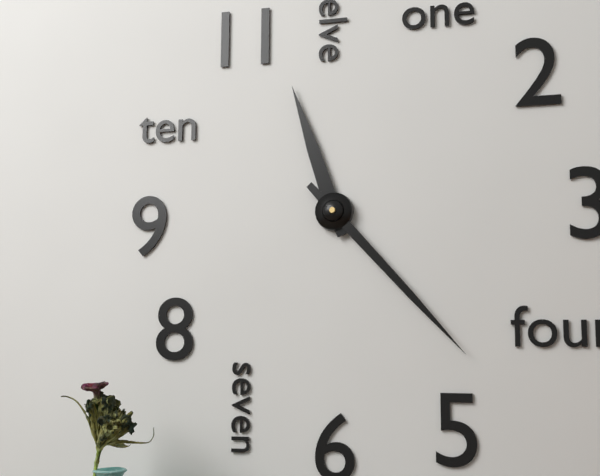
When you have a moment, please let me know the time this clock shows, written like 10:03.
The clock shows 11:23
